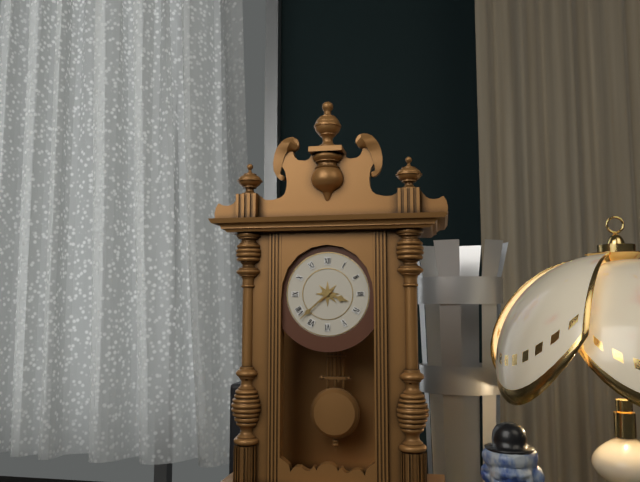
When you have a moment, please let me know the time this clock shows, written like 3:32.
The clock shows 3:38
